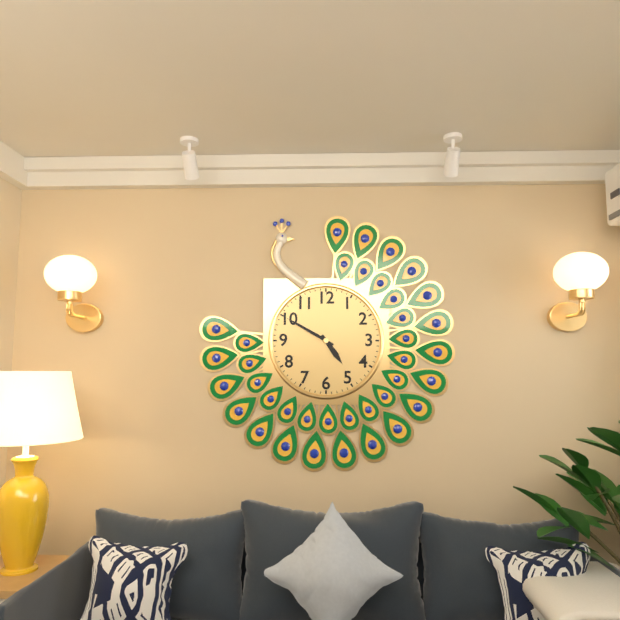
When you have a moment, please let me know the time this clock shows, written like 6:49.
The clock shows 4:50
